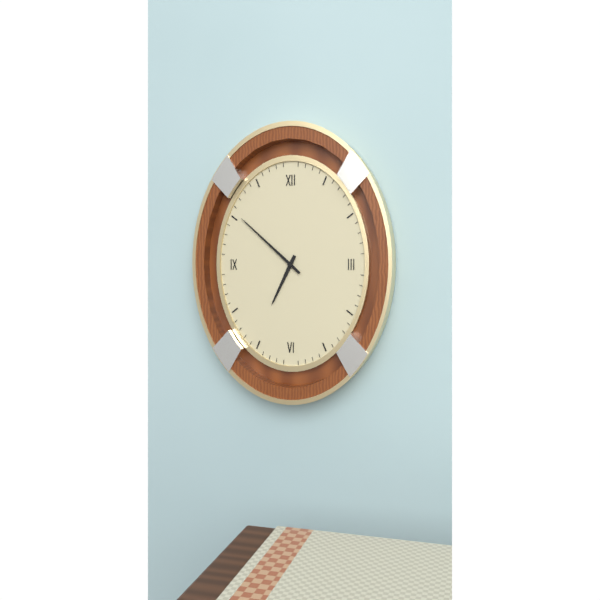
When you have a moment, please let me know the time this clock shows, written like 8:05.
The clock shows 6:52
